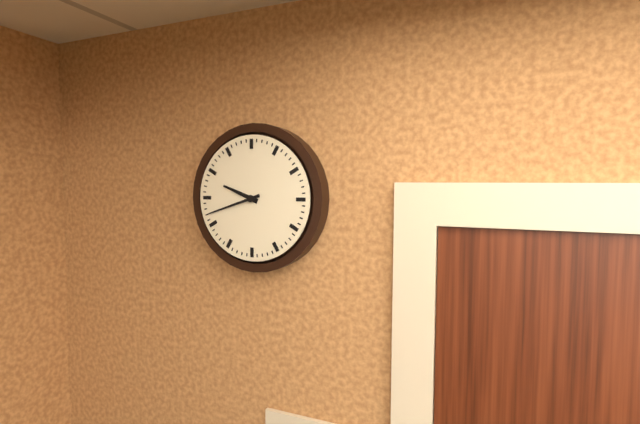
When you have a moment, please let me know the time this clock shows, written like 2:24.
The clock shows 9:42
